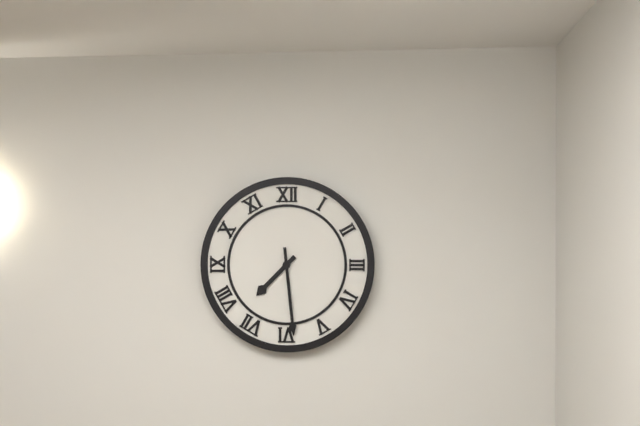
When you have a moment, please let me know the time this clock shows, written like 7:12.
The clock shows 7:29
